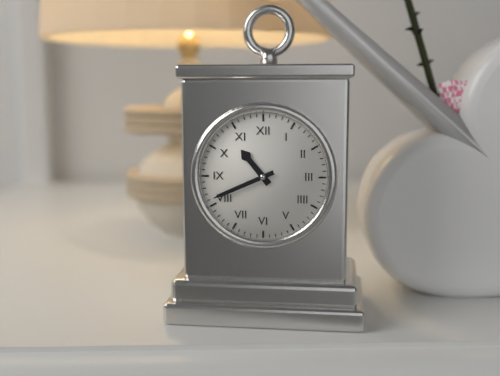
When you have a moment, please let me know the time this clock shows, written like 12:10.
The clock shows 10:41
